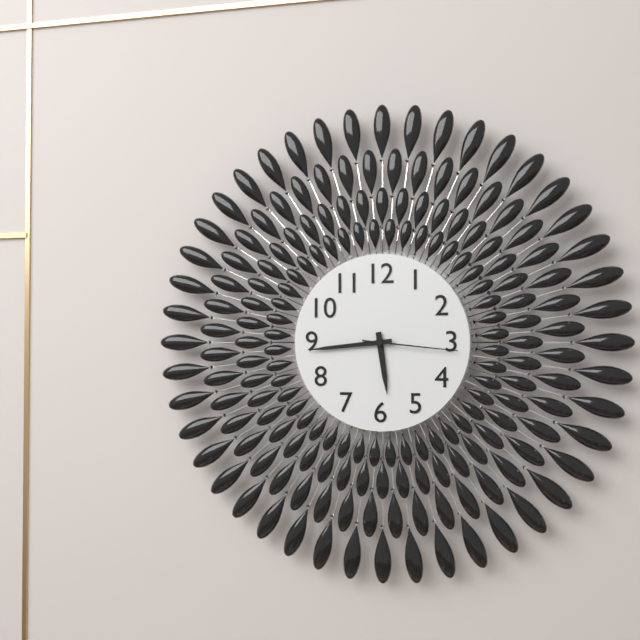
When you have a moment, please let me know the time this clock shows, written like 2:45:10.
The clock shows 5:44:16
